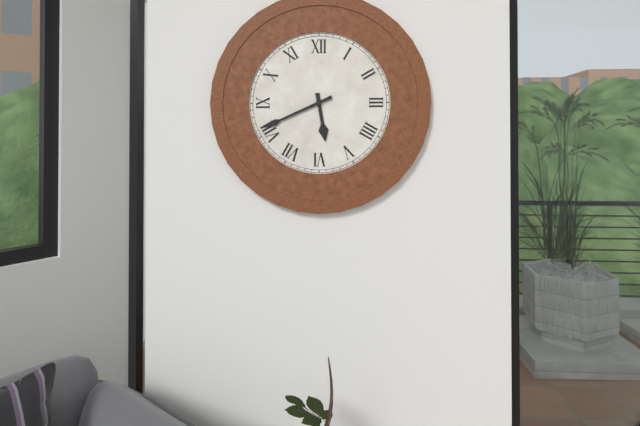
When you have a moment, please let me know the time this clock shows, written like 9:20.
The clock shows 5:41
